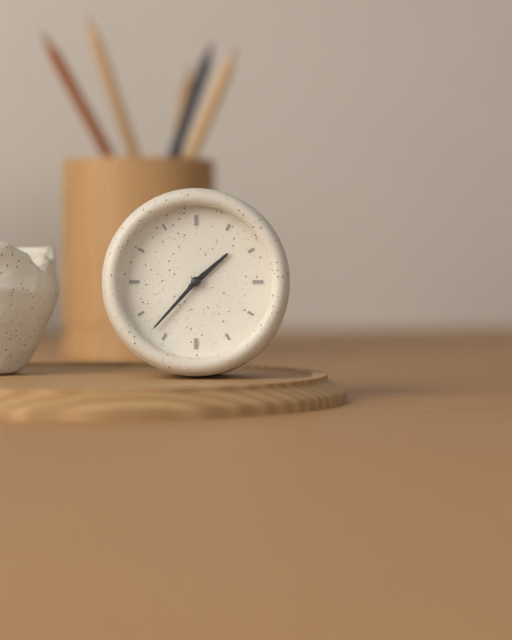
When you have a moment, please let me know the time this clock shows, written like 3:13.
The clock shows 1:37
